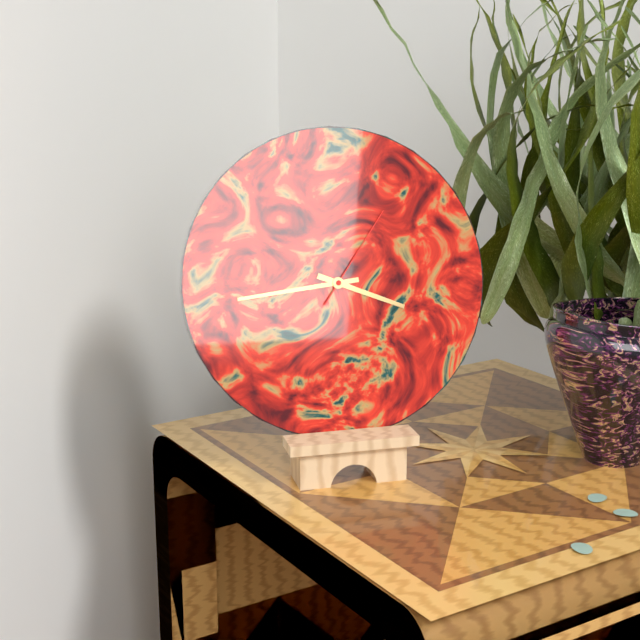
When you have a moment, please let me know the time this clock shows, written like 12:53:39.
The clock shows 3:44:06
